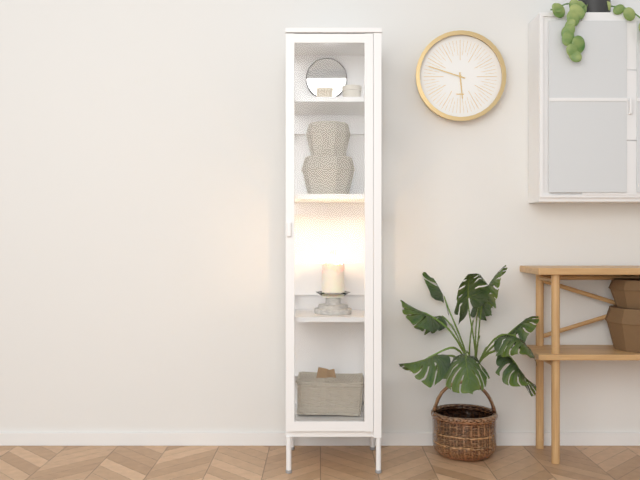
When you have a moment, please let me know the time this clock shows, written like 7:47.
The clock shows 5:48
